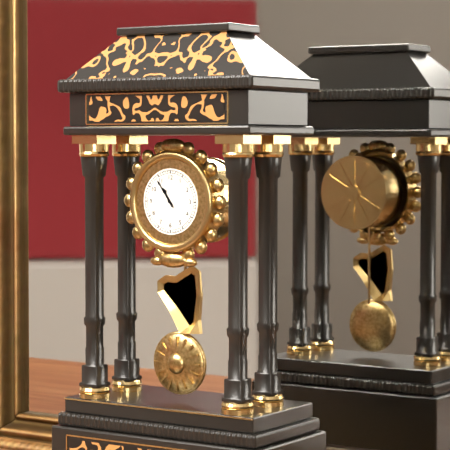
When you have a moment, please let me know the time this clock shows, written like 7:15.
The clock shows 10:54
